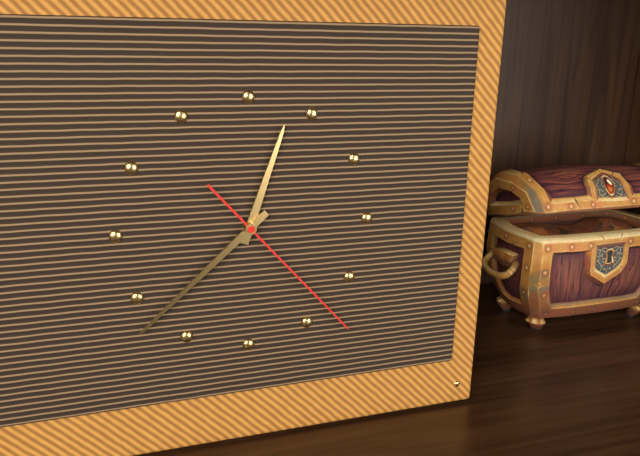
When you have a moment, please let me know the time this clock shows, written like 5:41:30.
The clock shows 12:38:23
